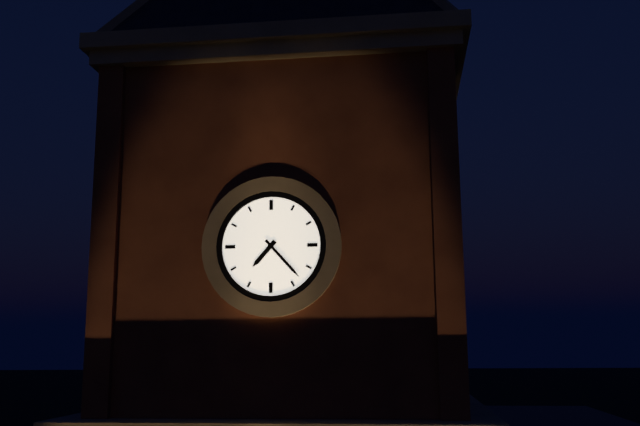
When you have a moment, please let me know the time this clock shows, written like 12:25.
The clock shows 7:23
